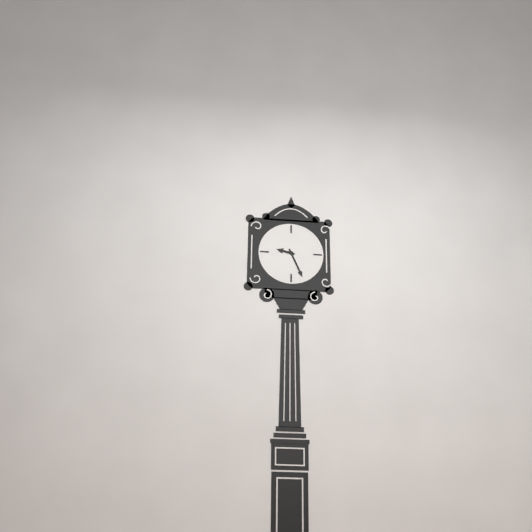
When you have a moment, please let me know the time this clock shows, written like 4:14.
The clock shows 9:26
